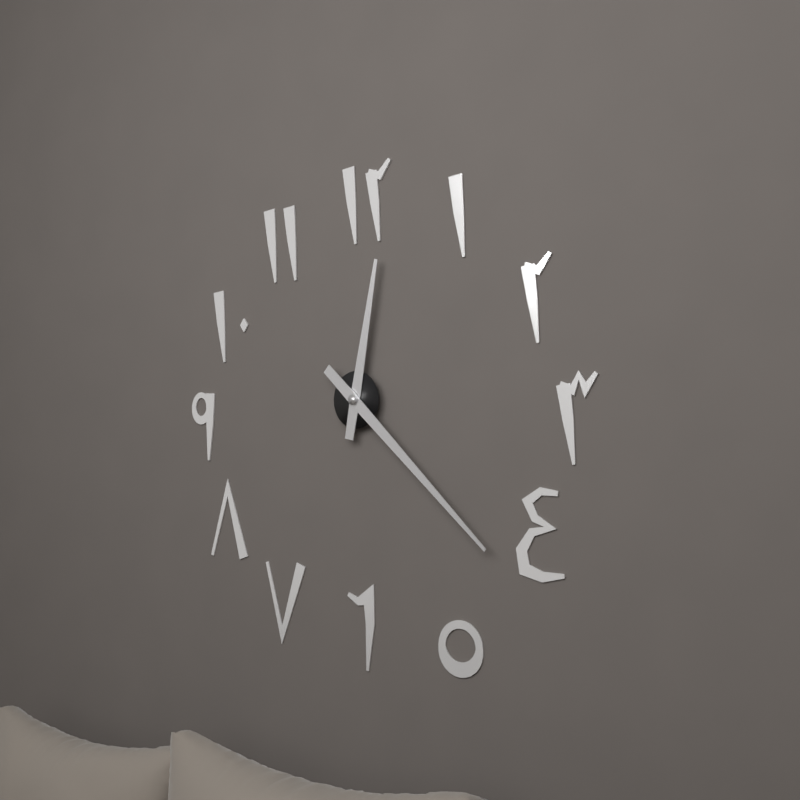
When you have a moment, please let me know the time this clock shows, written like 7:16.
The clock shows 12:22
